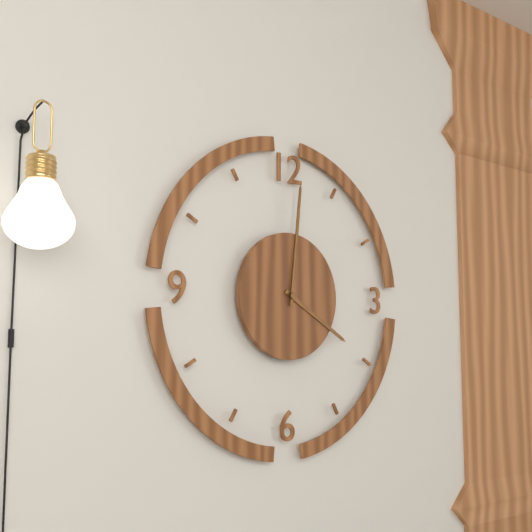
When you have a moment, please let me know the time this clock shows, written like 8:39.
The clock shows 4:01
